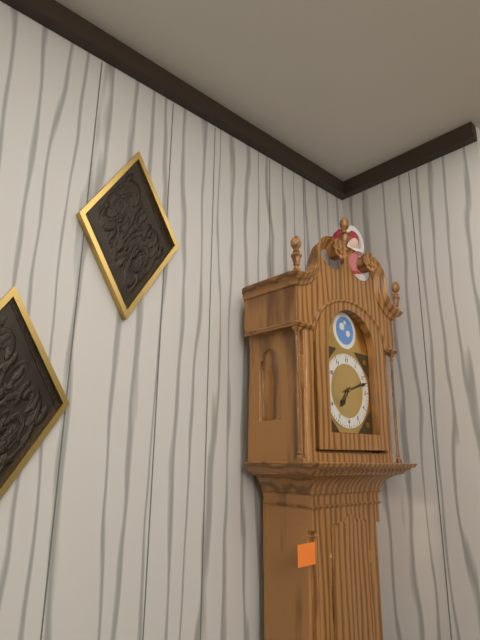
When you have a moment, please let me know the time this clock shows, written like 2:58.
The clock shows 7:12
